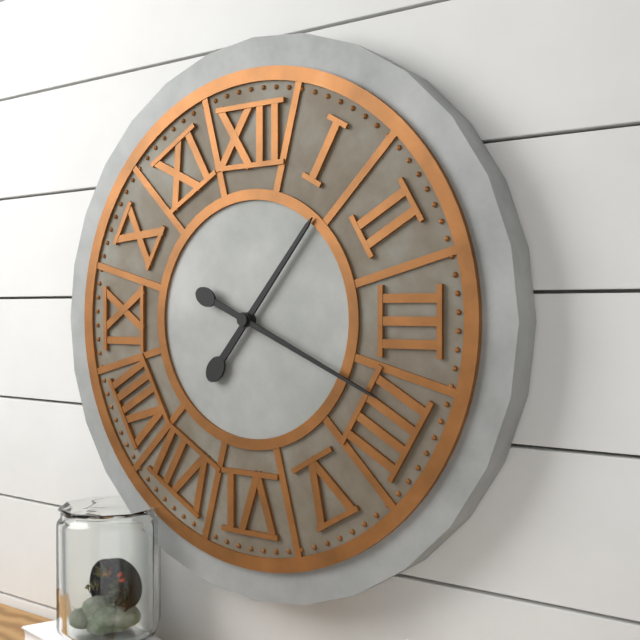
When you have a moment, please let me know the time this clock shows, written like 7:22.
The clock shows 1:19
